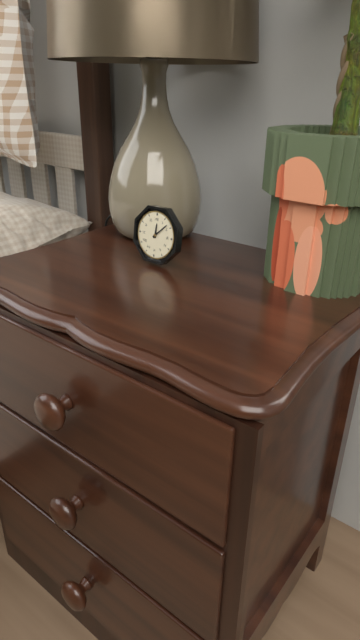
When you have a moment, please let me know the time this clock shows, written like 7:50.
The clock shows 12:08
